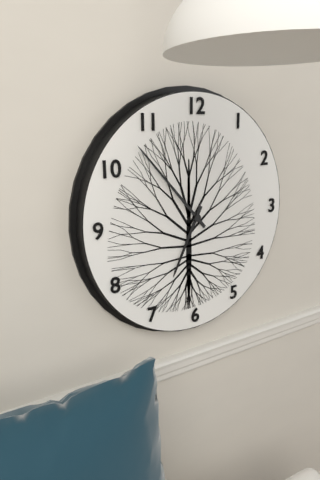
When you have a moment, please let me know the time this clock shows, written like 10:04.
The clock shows 6:53
